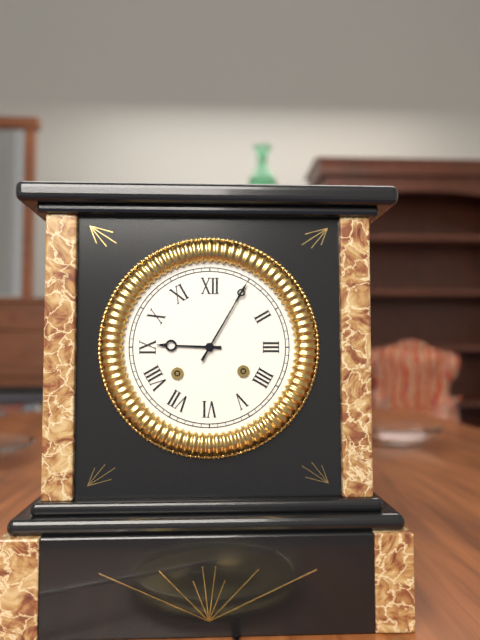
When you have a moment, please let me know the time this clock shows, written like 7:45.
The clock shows 9:05
